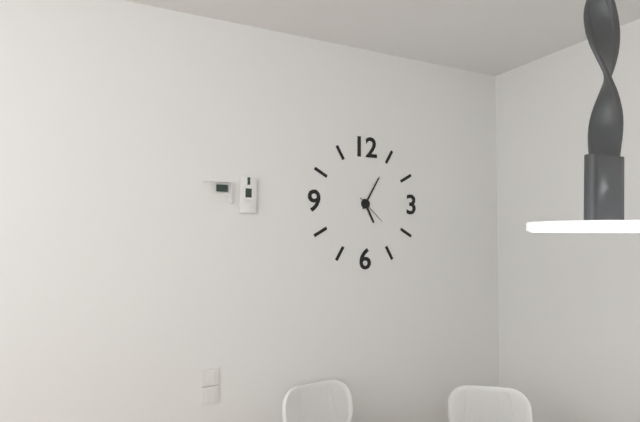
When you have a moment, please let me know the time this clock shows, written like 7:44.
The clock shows 5:05
